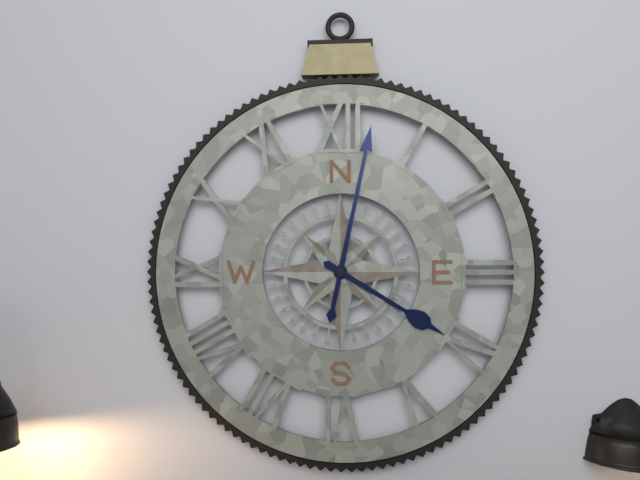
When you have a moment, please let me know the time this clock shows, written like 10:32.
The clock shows 4:02
